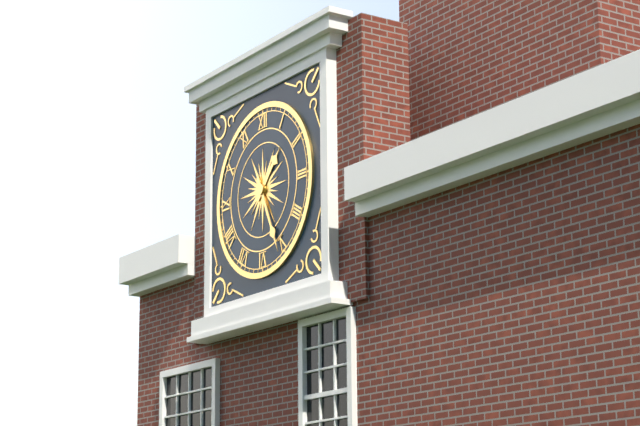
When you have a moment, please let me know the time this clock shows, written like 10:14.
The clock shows 1:26
